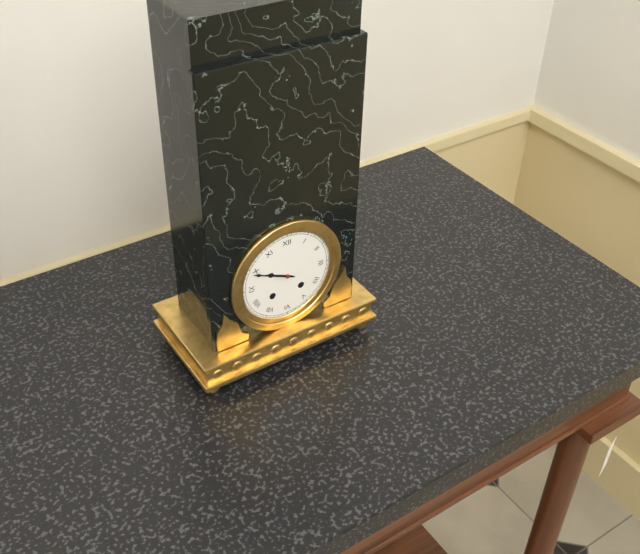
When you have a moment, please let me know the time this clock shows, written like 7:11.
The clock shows 9:49
